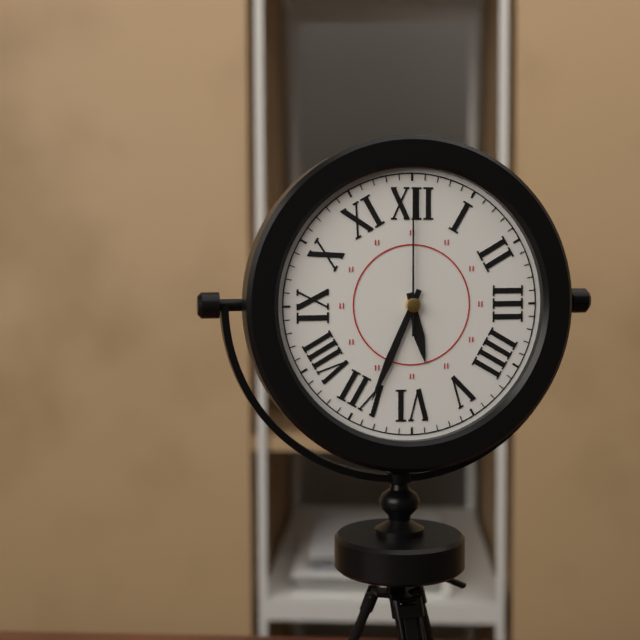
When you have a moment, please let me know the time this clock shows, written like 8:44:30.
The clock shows 5:34:00
